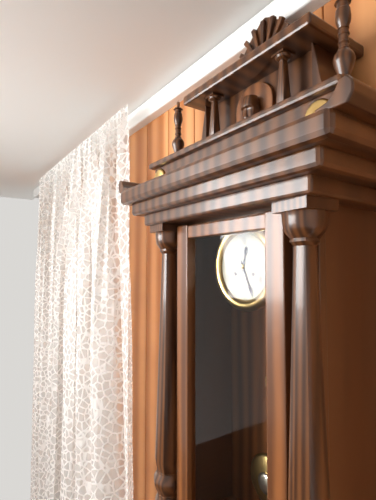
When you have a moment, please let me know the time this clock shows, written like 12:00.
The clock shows 12:26
